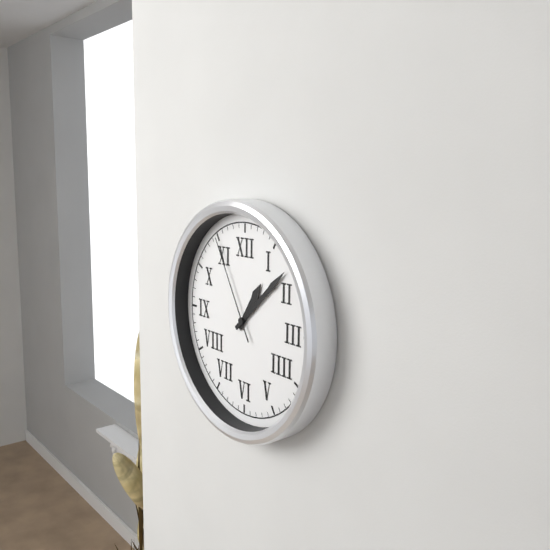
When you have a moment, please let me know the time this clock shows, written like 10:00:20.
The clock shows 1:08:55
